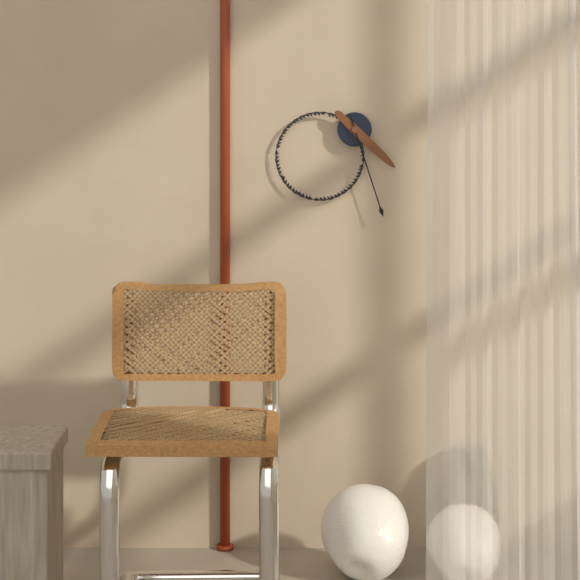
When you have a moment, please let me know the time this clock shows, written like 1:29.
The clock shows 4:27
